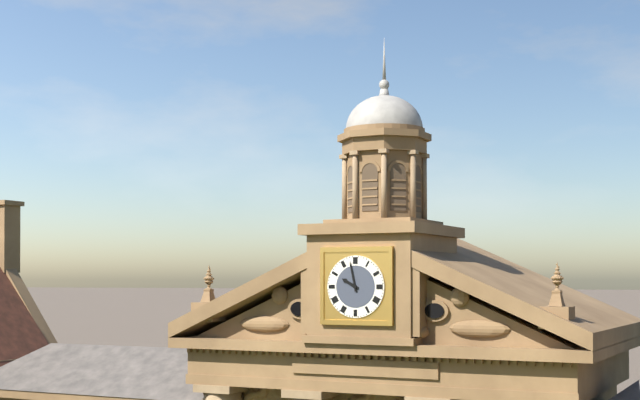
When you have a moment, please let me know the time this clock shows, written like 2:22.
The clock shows 9:58
